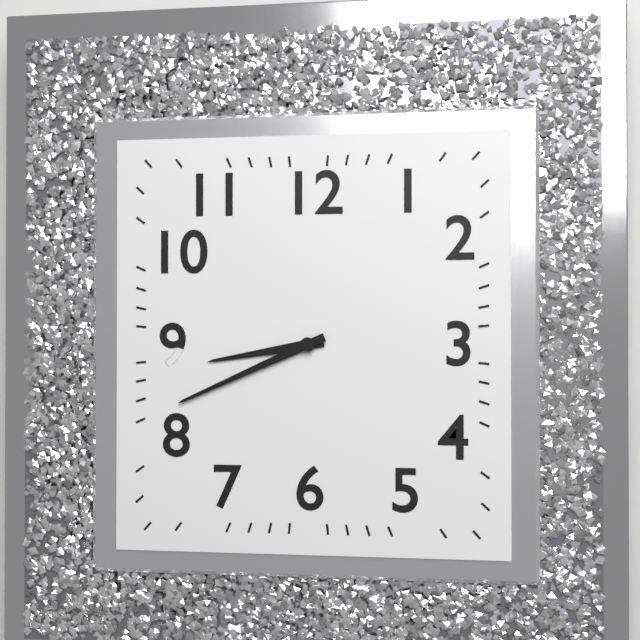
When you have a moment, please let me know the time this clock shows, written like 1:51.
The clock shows 8:41
